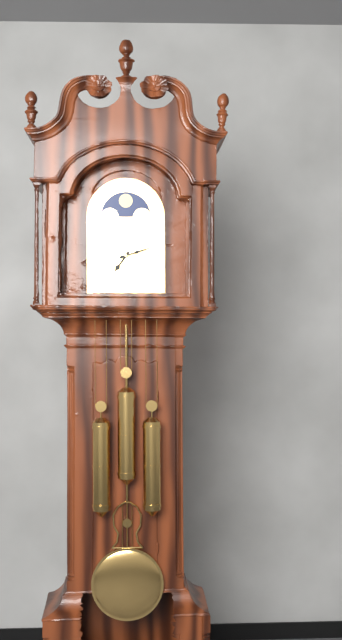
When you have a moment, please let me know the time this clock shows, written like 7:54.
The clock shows 7:12
